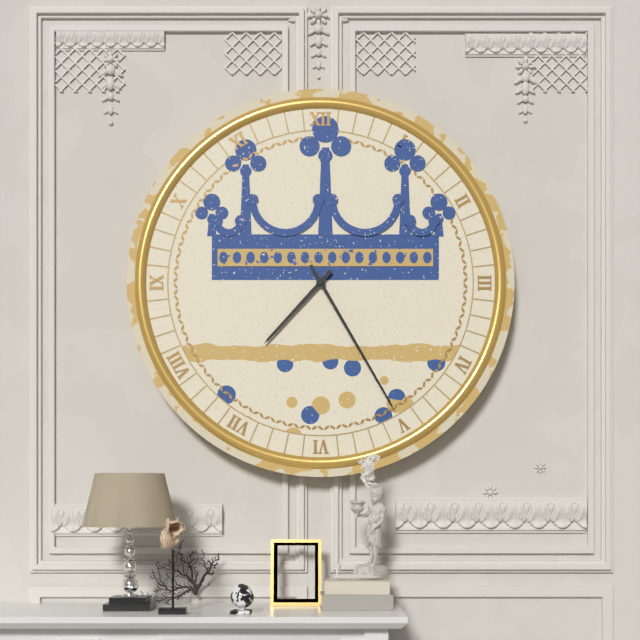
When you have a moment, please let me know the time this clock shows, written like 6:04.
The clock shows 7:25
